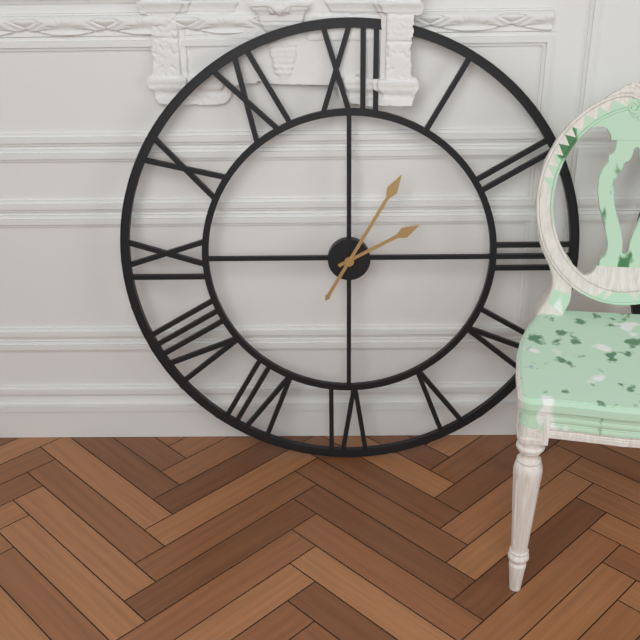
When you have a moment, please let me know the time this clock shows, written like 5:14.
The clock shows 2:05
